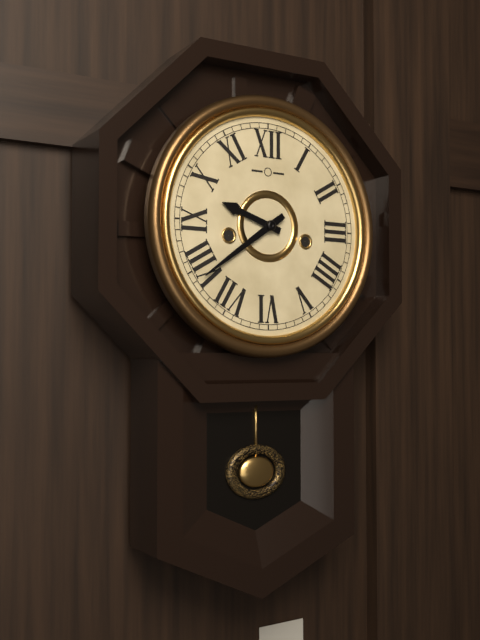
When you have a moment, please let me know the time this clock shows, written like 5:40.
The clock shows 9:39
